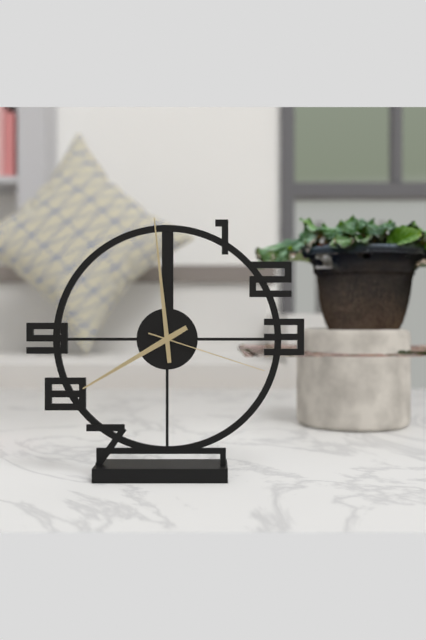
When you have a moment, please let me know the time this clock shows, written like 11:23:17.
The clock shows 7:59:18
